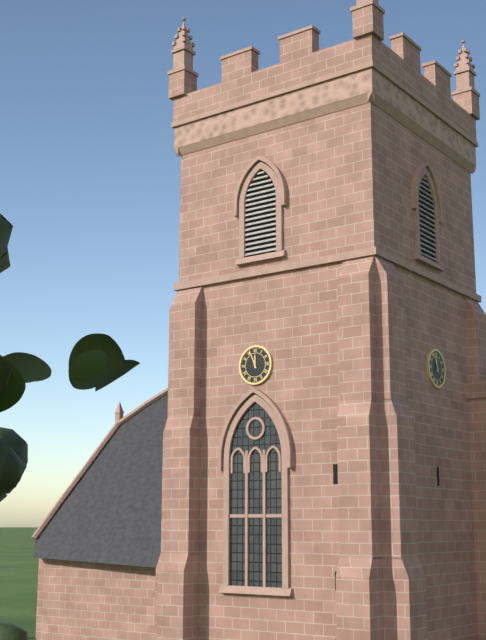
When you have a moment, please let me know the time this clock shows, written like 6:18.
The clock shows 11:56
